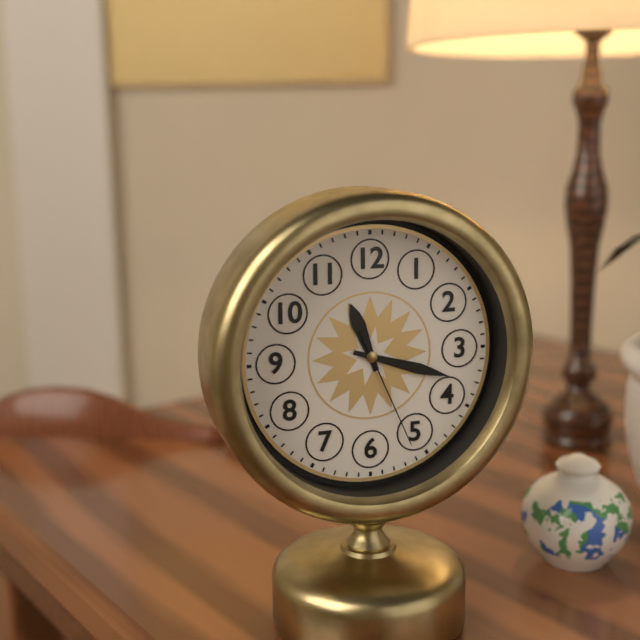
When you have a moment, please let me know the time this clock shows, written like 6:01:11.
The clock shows 11:18:26
